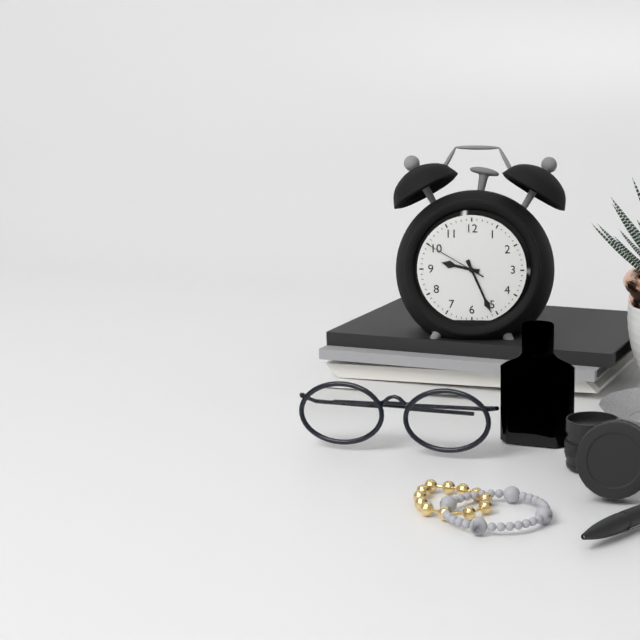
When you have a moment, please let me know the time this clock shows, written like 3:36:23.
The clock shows 9:26:50
